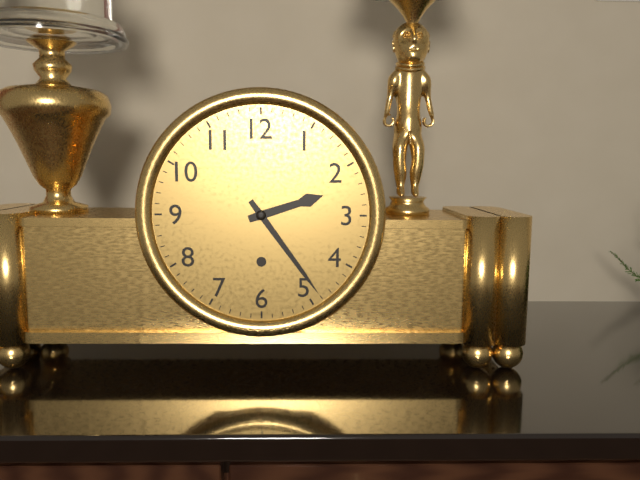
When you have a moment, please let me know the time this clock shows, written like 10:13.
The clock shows 2:24
